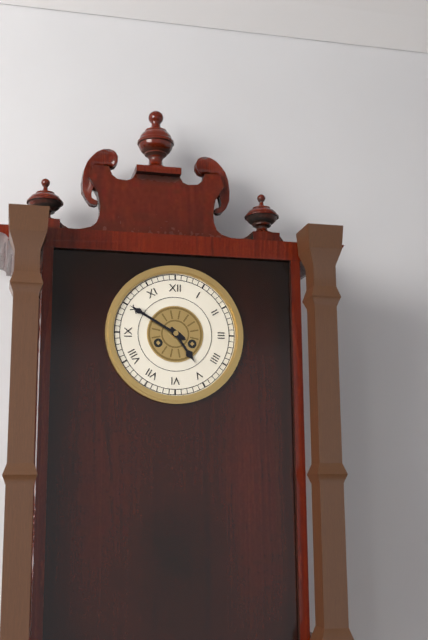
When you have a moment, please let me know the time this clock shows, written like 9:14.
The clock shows 4:50
